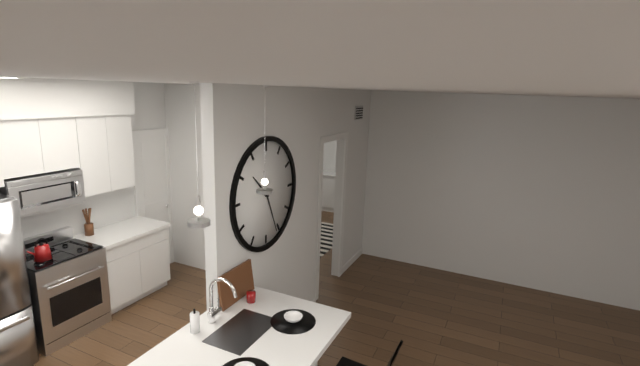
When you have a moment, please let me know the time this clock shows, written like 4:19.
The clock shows 10:26
